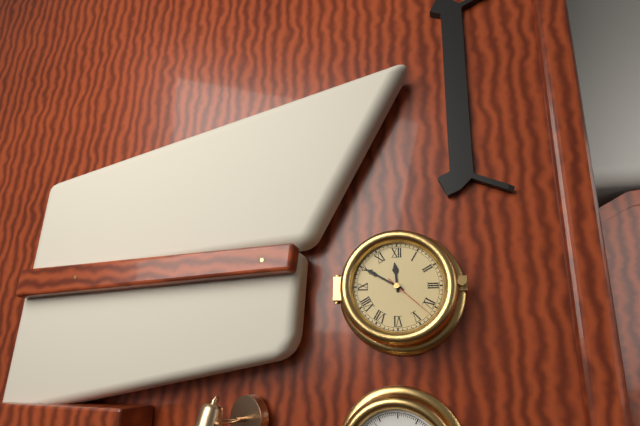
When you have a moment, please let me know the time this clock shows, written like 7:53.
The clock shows 11:50
